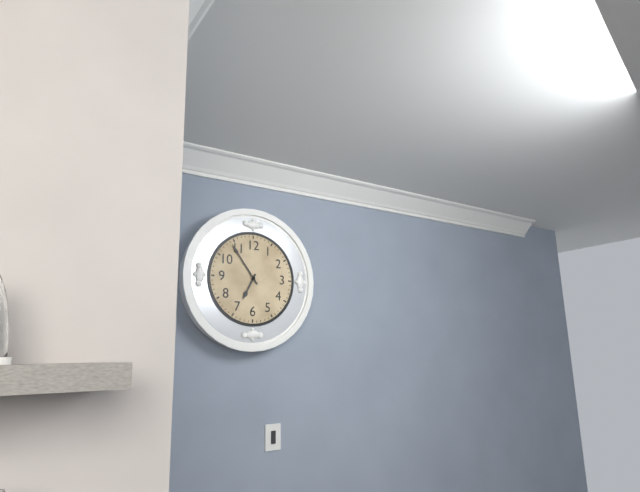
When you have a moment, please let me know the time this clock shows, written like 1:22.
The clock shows 6:54
